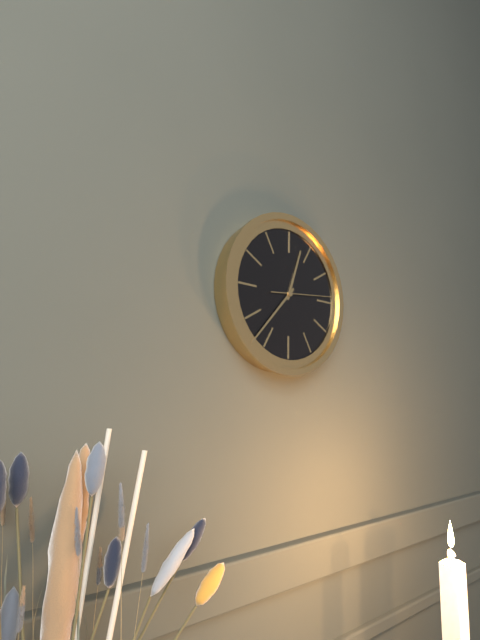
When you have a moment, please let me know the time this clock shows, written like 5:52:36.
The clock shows 12:37:14
